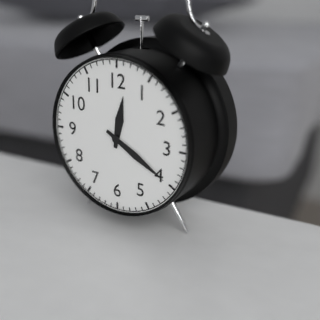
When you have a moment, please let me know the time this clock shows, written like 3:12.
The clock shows 12:20
